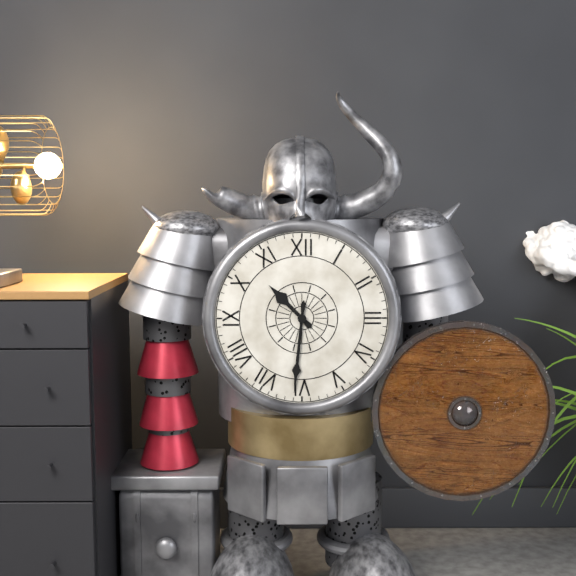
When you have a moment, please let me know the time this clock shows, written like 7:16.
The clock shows 10:31
